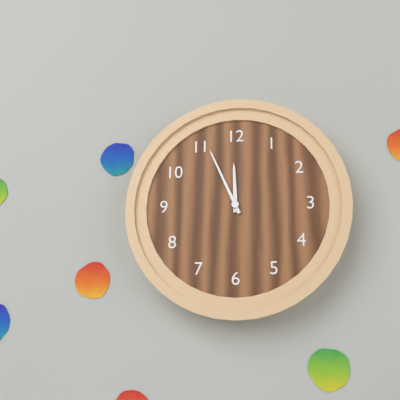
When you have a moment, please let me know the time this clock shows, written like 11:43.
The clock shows 11:56
